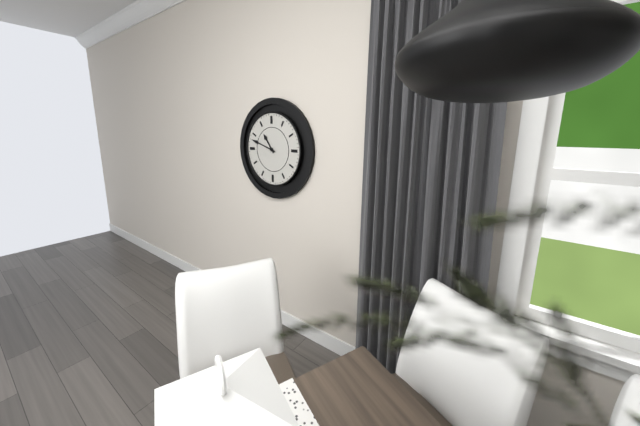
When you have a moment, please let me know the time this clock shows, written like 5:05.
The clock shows 10:48
